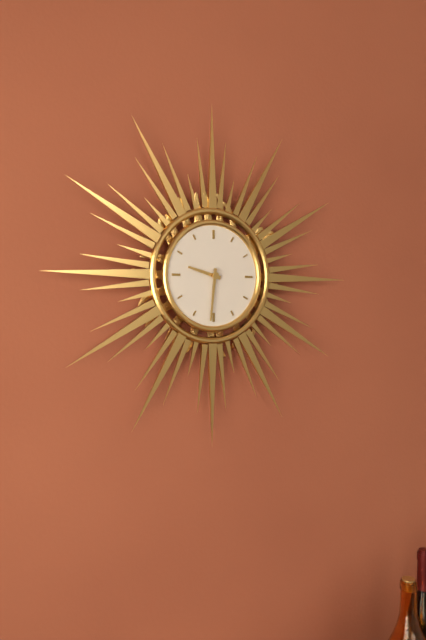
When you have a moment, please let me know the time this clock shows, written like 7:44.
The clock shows 9:31
